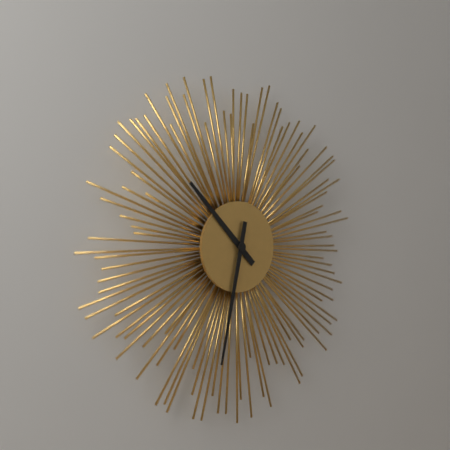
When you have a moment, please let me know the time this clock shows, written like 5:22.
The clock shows 10:32
